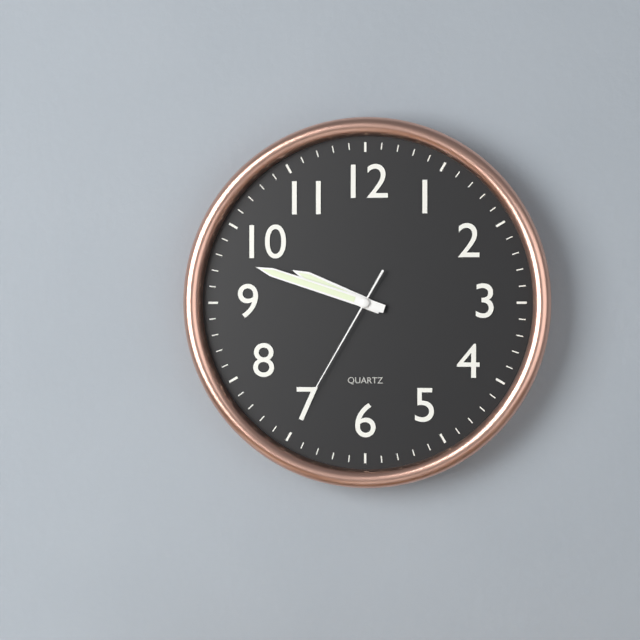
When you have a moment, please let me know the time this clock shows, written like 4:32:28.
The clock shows 9:48:35
